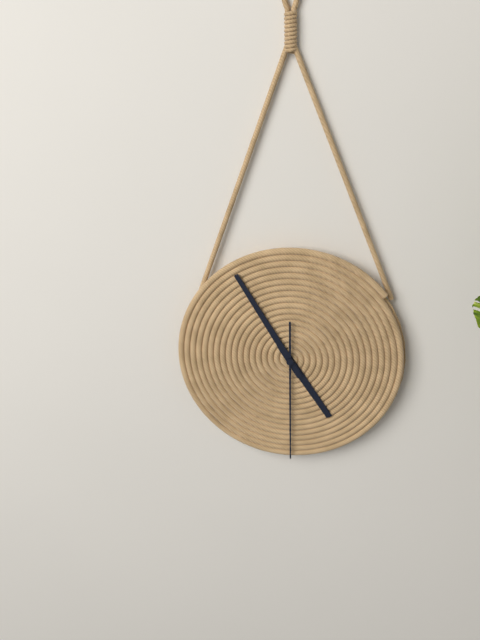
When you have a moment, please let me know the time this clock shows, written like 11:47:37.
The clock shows 4:55:30
